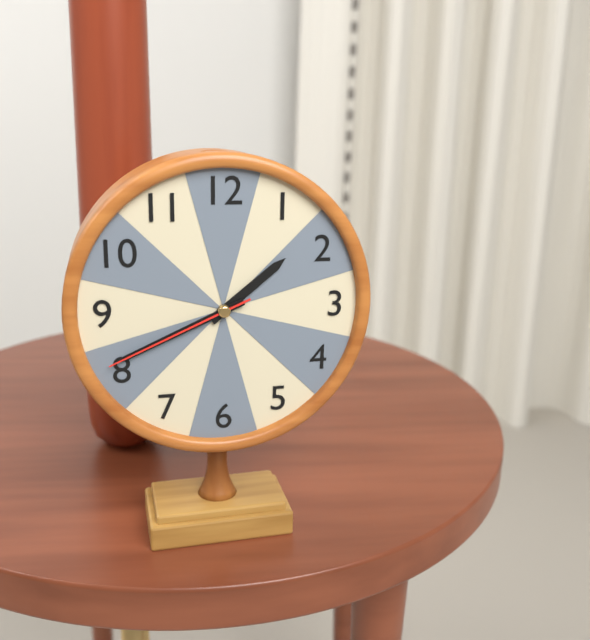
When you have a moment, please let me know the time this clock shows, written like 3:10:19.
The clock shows 1:41:41
